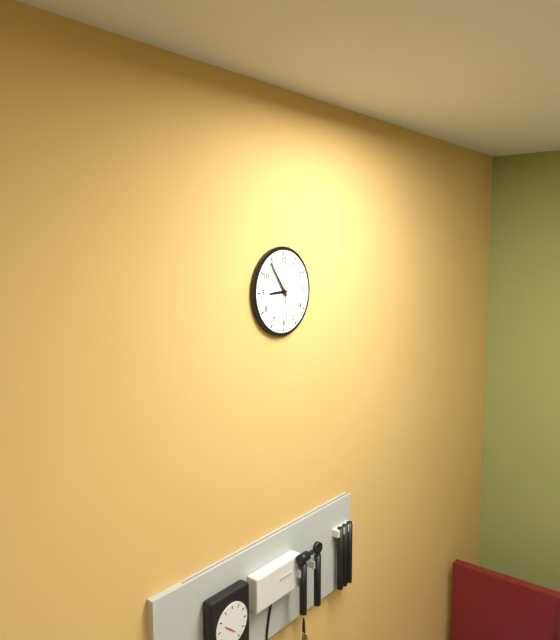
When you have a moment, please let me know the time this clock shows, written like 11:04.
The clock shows 8:54
